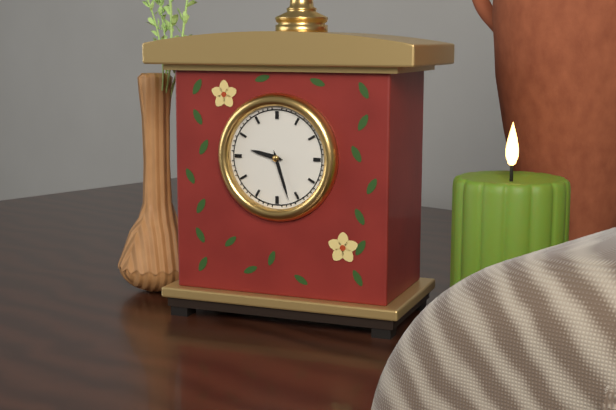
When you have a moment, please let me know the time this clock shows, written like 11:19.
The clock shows 9:27
